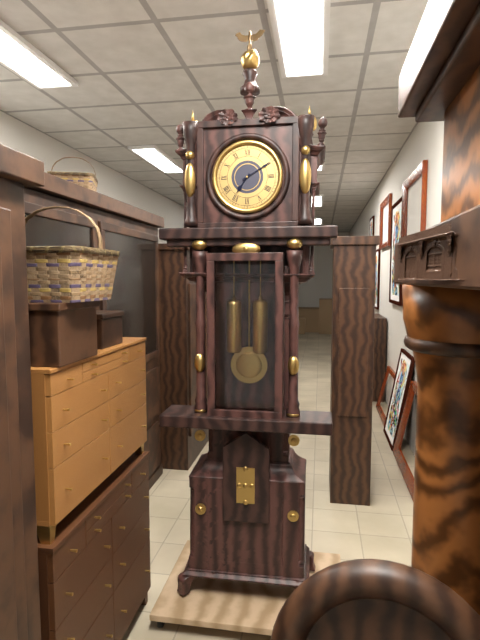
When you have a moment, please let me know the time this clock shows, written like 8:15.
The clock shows 7:10
